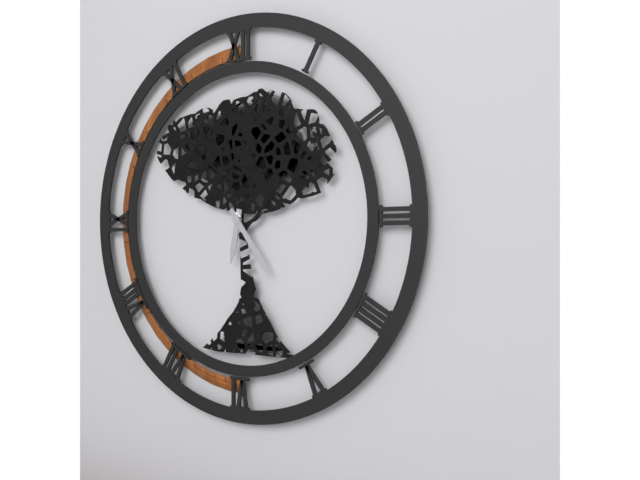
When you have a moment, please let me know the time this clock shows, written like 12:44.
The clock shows 6:24
